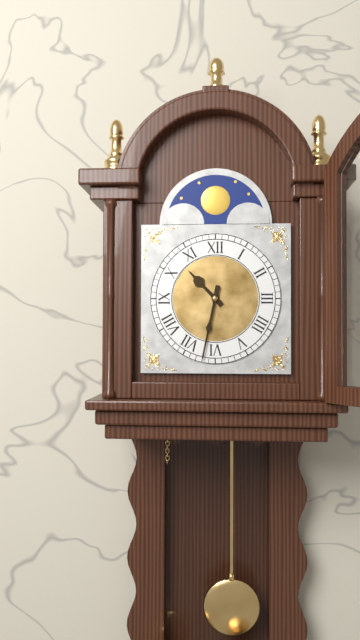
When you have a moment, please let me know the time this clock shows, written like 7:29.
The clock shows 10:32
